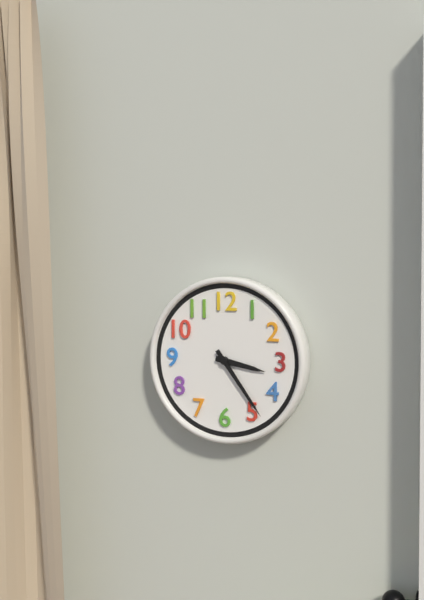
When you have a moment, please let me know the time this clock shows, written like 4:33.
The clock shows 3:24
